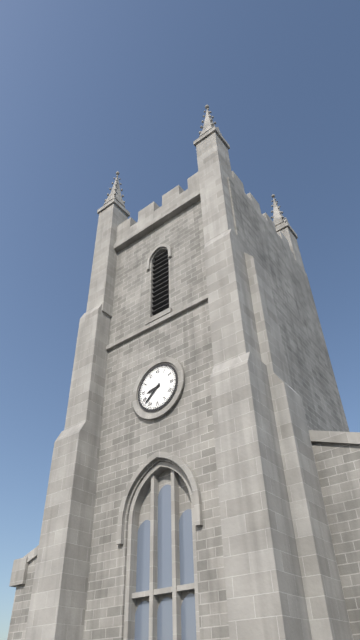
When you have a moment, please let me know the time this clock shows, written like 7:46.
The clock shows 8:38
